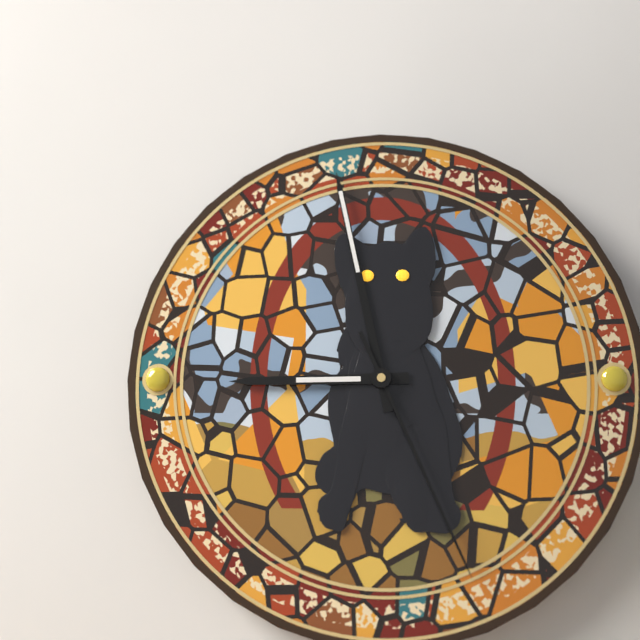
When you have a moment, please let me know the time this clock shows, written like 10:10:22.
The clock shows 8:58:26
